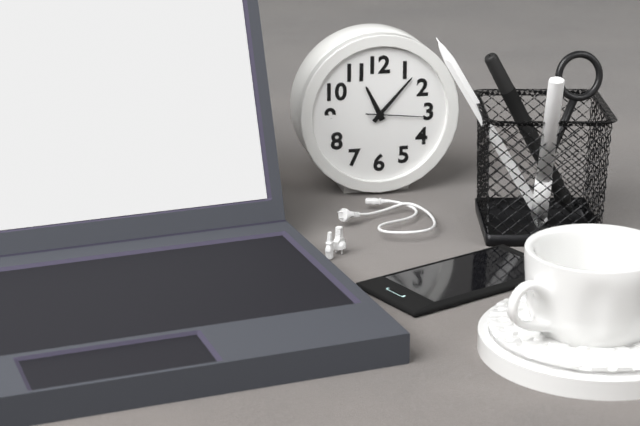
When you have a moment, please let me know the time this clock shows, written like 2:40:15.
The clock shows 11:07:16
